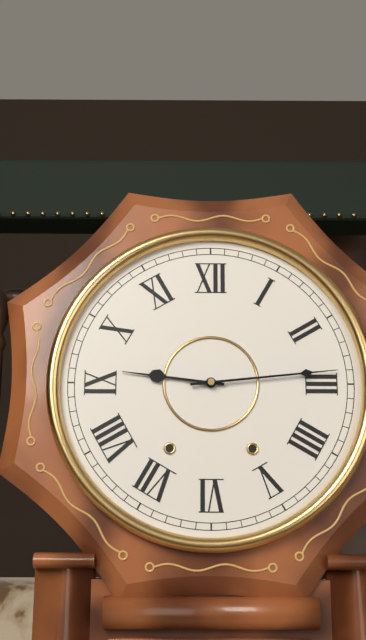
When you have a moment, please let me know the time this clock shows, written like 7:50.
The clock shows 9:14
